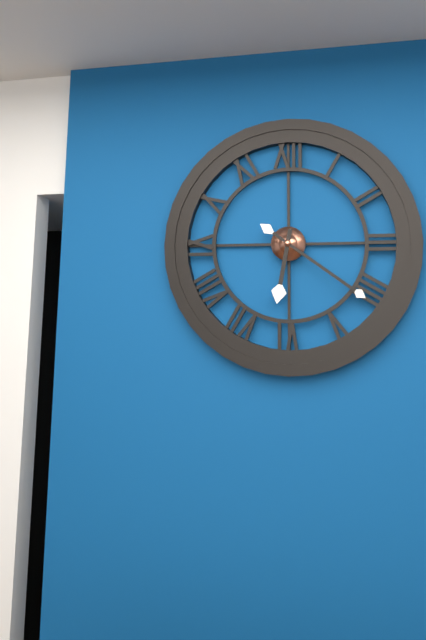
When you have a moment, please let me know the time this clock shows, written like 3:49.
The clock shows 6:21
